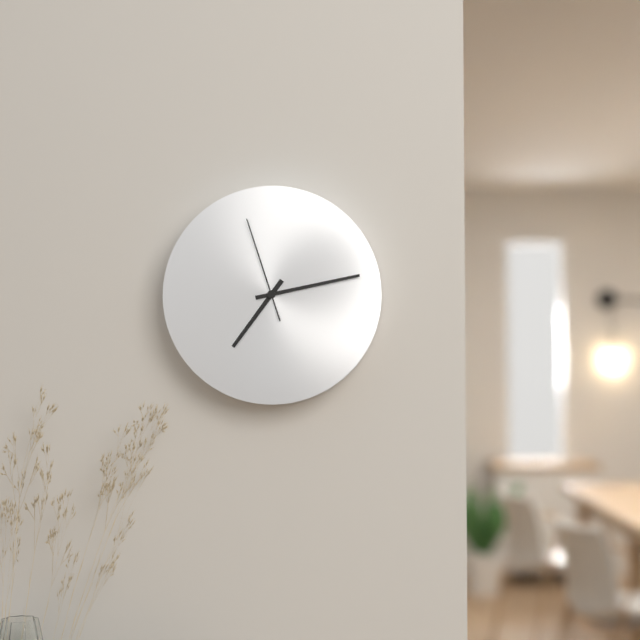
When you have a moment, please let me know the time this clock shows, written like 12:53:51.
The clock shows 7:13:57
